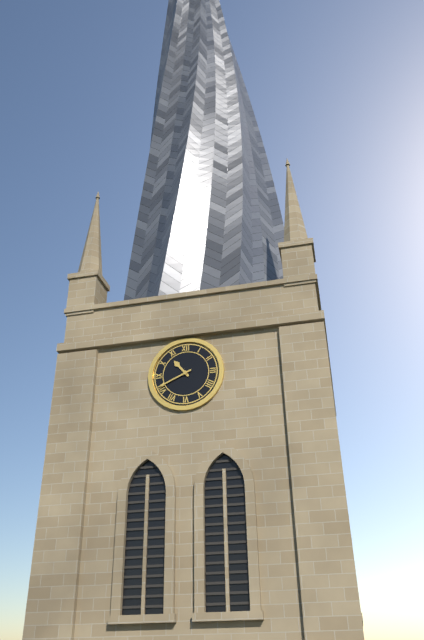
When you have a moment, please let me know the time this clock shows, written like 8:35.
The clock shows 10:41
